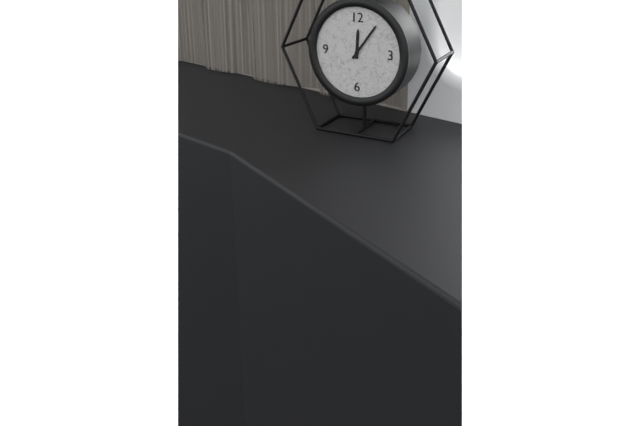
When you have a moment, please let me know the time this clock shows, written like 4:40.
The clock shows 12:06
